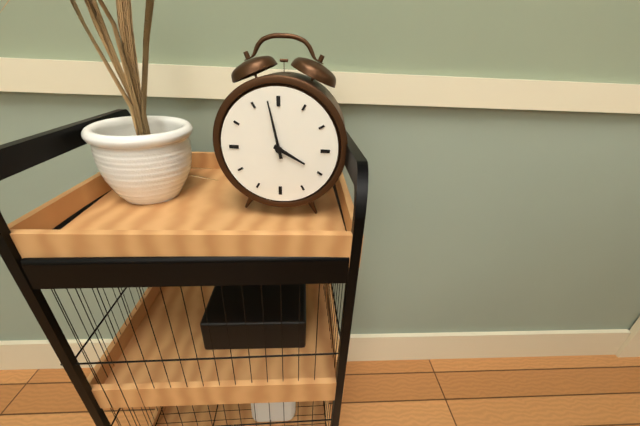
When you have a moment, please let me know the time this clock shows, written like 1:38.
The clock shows 3:58
